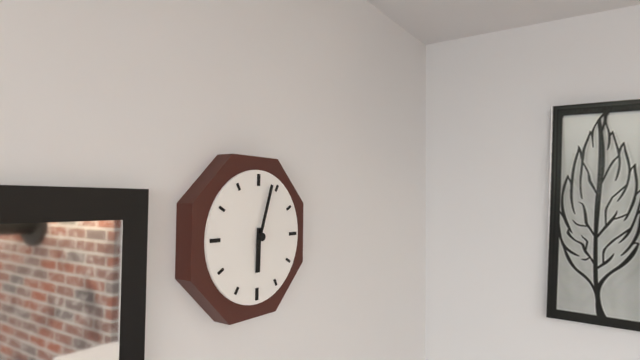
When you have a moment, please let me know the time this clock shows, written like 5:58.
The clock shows 6:03
